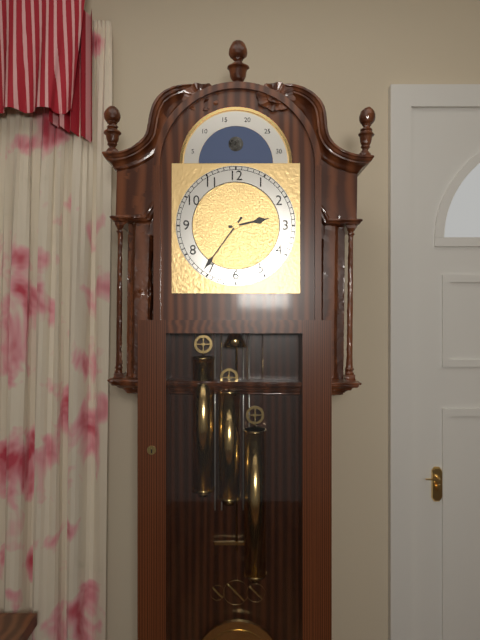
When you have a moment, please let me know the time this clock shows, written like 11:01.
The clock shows 2:36
